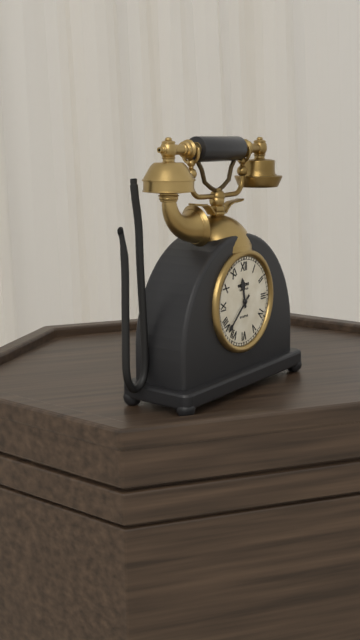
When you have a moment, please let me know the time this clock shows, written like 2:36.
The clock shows 11:38
